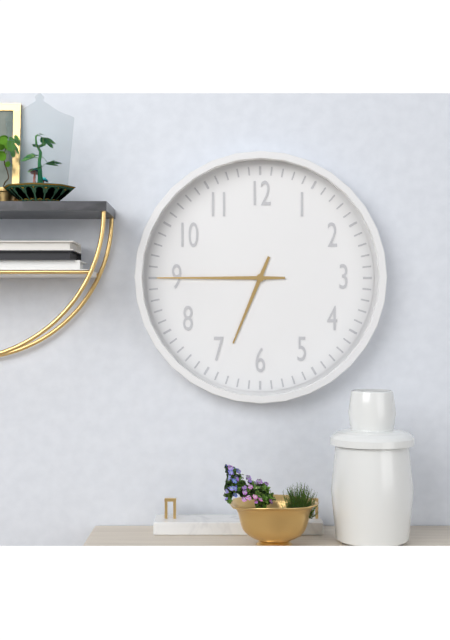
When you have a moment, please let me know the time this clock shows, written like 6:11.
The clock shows 6:45
